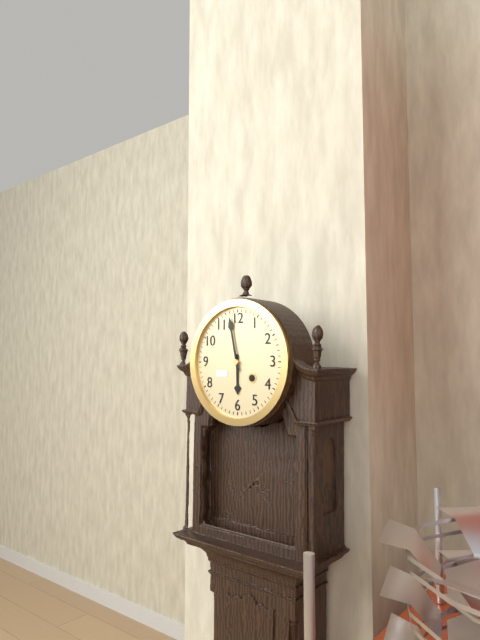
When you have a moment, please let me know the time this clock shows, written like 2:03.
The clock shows 5:58
